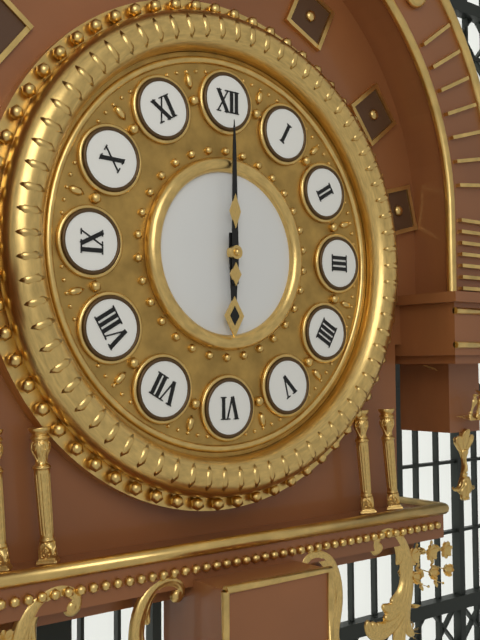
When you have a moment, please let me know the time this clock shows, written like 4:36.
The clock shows 6:00
